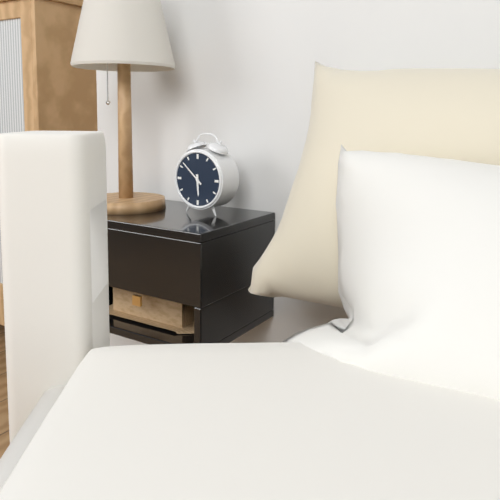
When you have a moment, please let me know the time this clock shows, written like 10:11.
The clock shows 5:52
